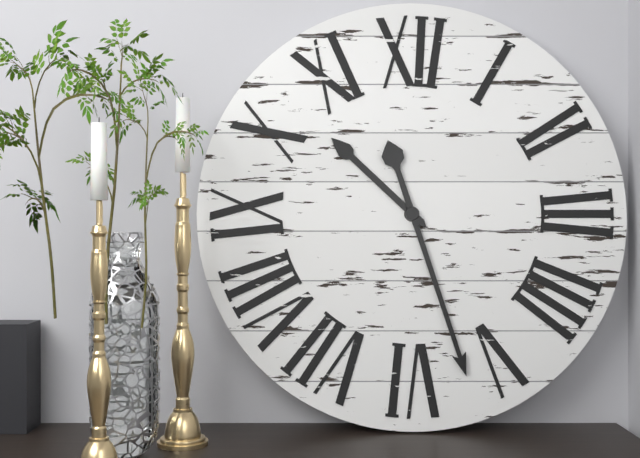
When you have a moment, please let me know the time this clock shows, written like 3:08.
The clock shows 10:27
